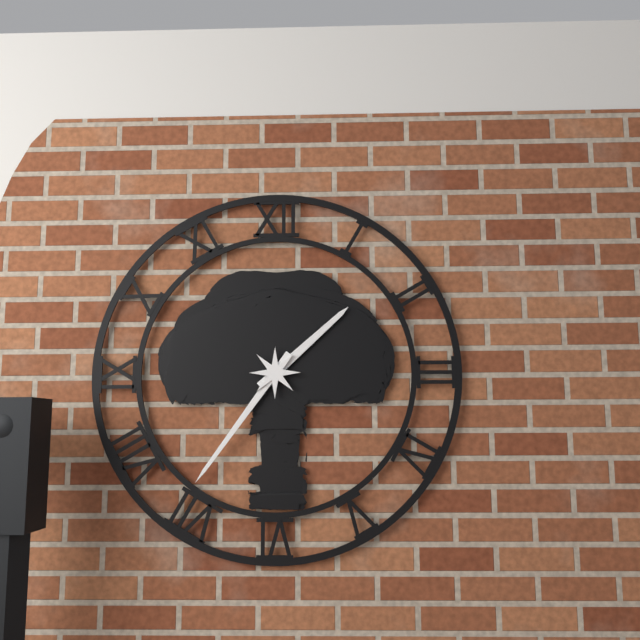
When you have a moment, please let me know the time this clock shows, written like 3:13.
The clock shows 1:36
